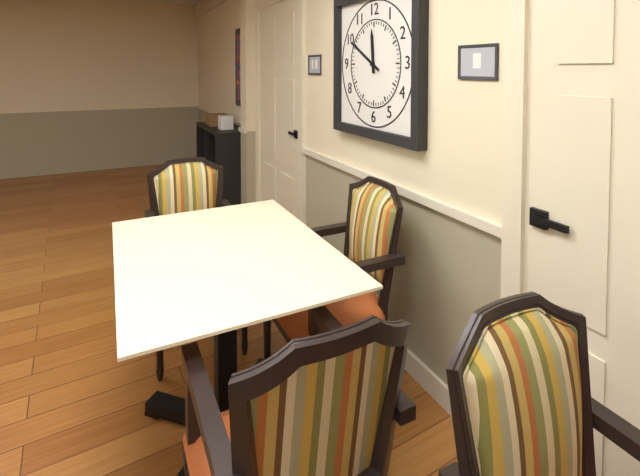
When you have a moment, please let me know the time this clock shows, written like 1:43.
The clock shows 11:50
